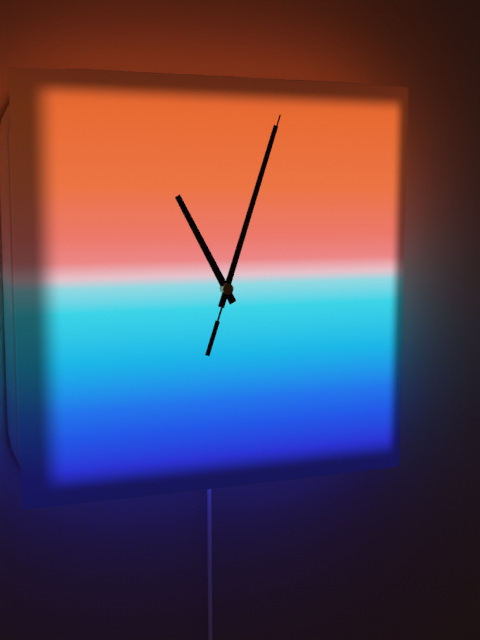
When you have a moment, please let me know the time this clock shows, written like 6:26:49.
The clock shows 11:03:03
